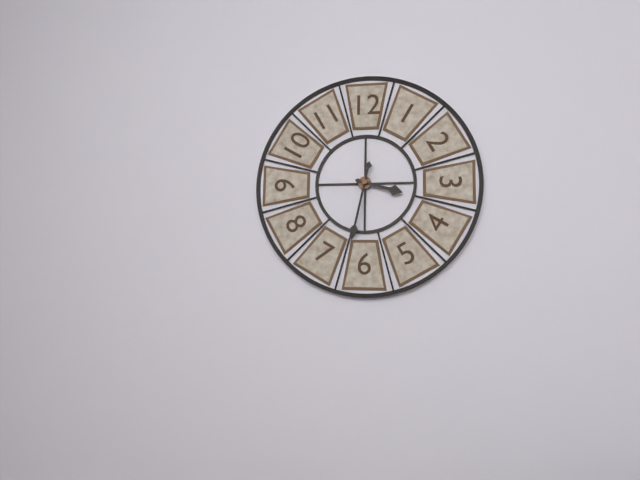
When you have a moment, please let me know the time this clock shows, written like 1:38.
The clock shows 3:32
